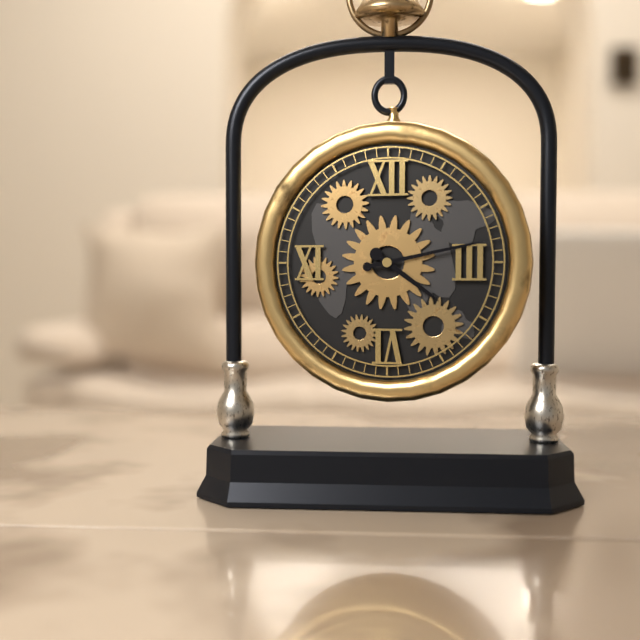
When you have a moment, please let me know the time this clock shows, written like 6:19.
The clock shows 4:13
